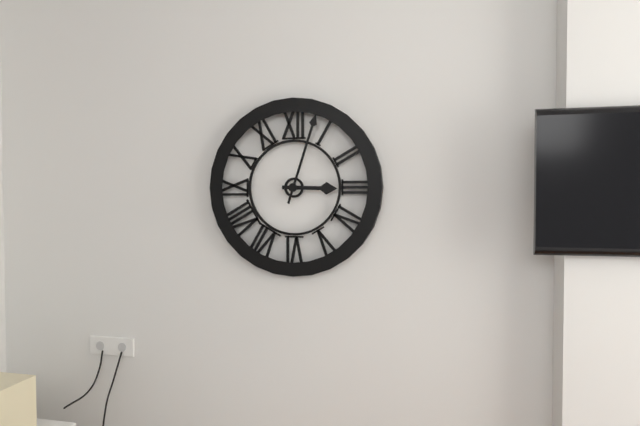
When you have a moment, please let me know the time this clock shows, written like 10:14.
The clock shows 3:03
